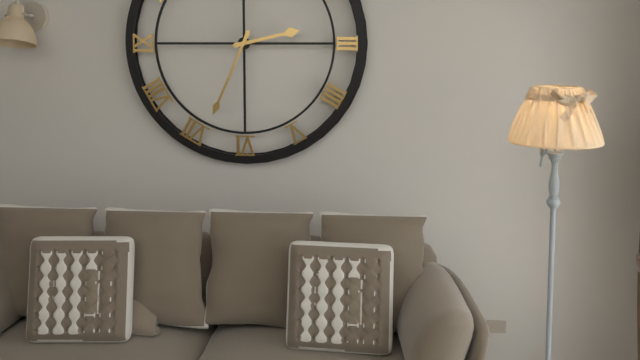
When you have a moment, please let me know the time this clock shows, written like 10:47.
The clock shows 2:34
